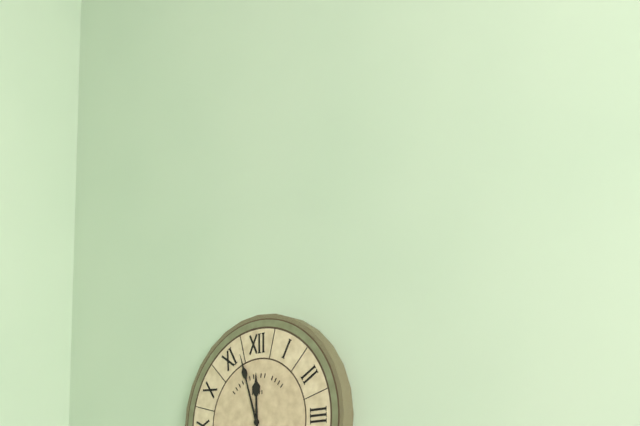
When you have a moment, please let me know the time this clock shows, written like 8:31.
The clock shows 11:57
